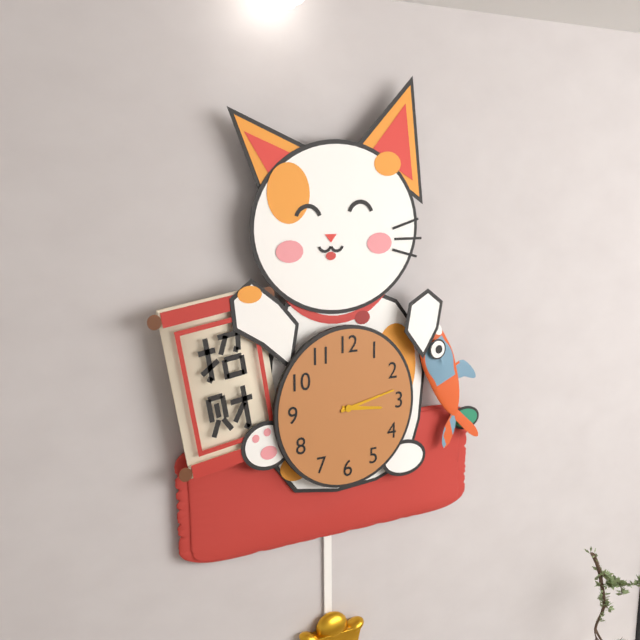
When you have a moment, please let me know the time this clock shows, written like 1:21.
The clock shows 3:13
